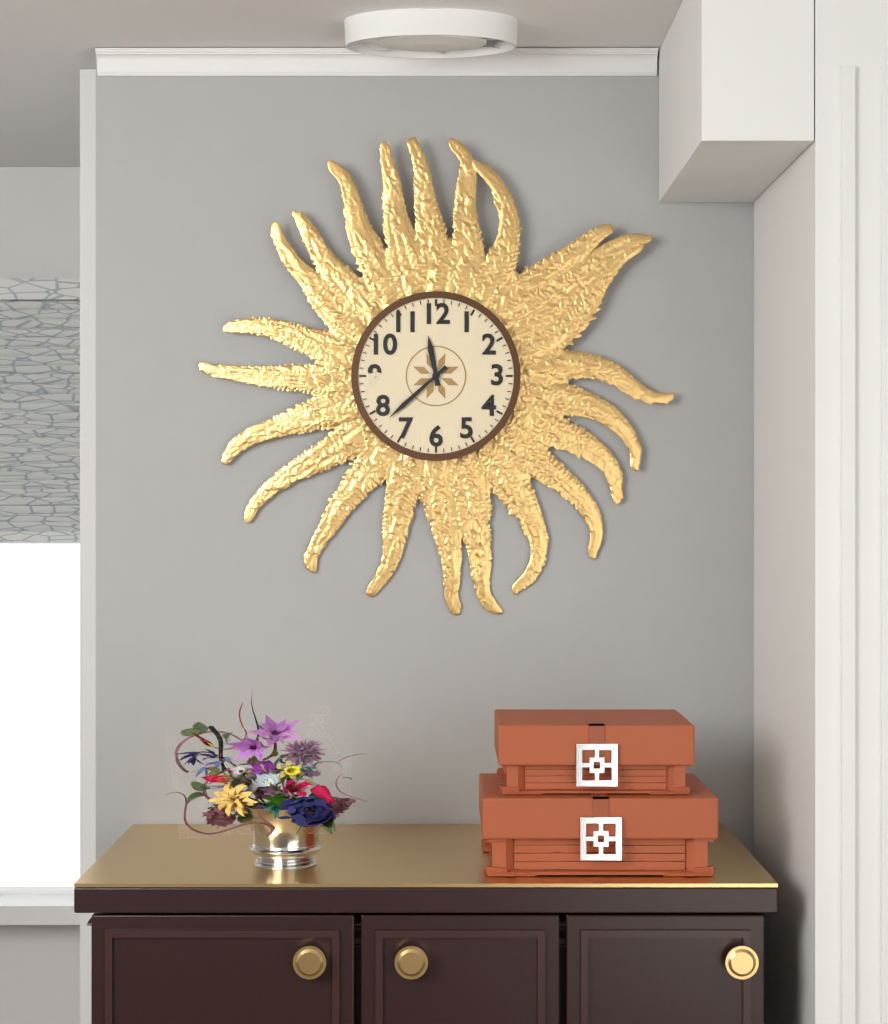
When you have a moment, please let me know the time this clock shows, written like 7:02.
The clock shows 11:38
